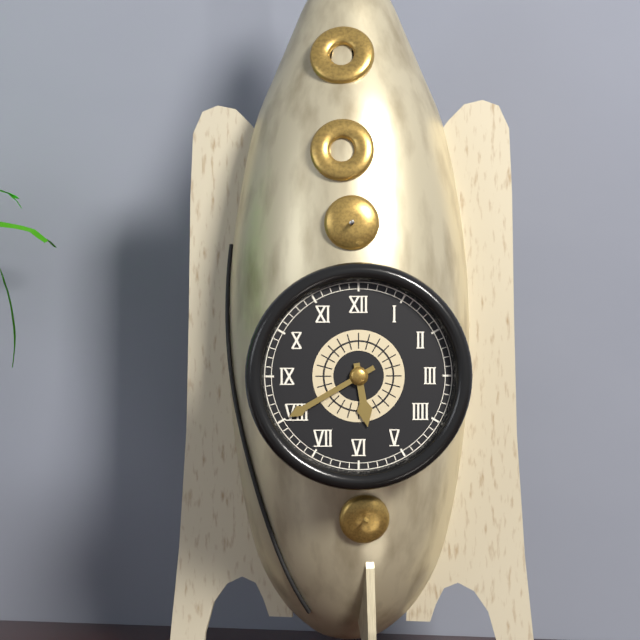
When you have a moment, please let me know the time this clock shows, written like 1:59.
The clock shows 5:40
